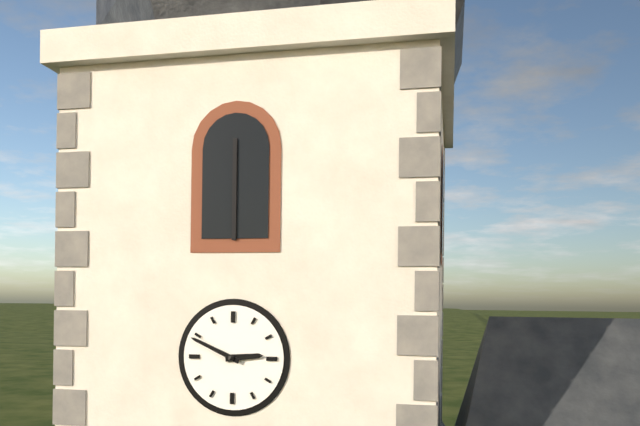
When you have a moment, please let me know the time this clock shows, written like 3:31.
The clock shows 2:49
